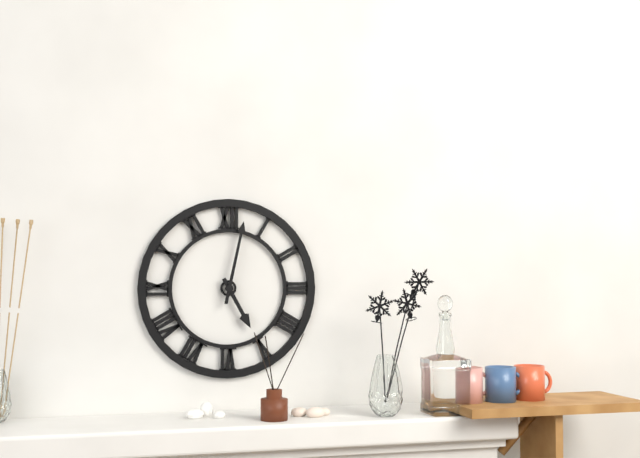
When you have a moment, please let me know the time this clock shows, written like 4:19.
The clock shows 5:02
